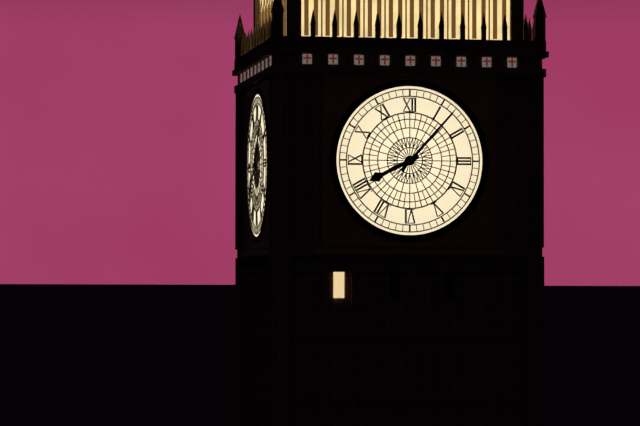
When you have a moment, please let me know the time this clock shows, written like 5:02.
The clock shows 8:07
